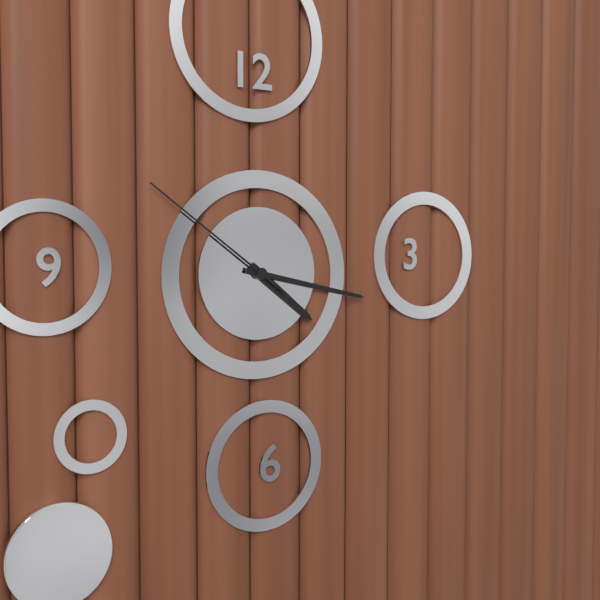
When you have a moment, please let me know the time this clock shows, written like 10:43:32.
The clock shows 4:17:51
